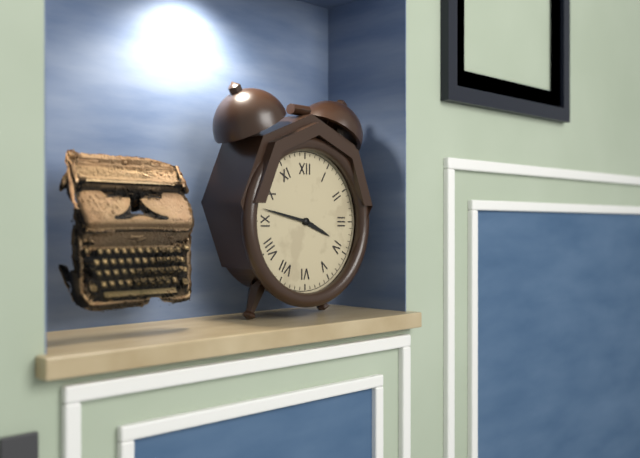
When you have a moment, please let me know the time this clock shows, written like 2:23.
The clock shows 3:47
